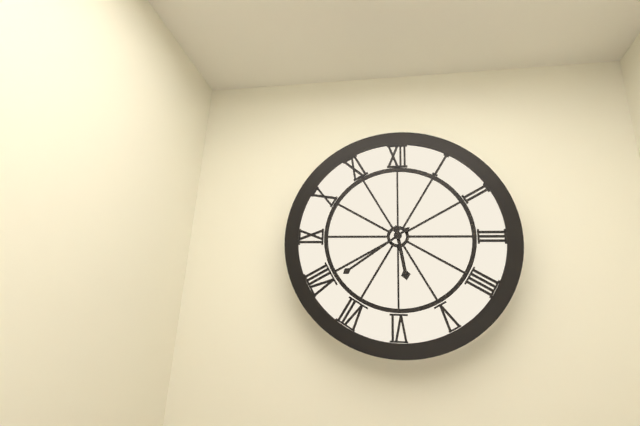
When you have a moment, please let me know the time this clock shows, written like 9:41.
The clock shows 5:39
